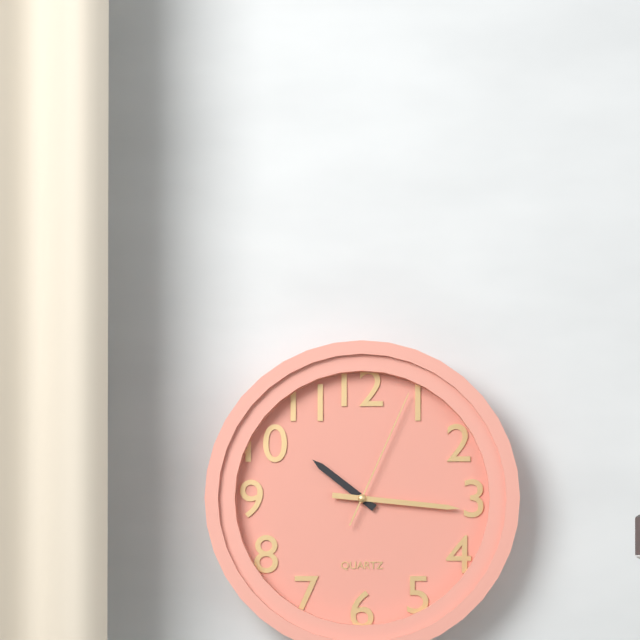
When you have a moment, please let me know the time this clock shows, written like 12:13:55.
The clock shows 10:16:04
